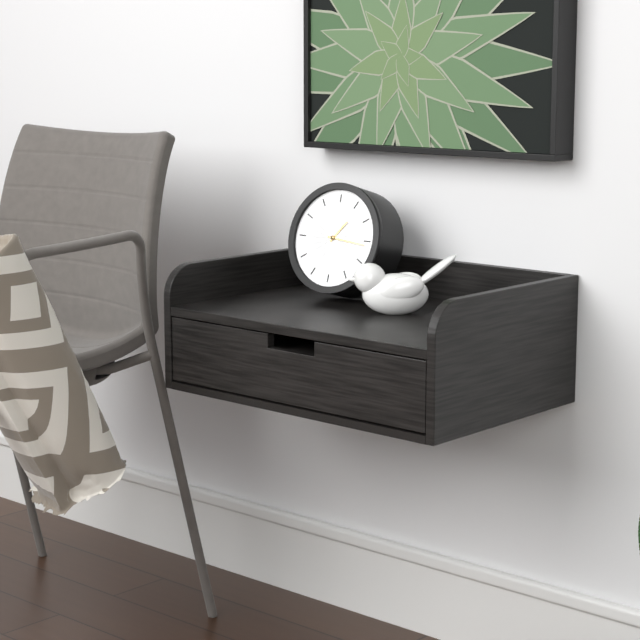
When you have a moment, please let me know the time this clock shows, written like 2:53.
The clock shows 1:16
